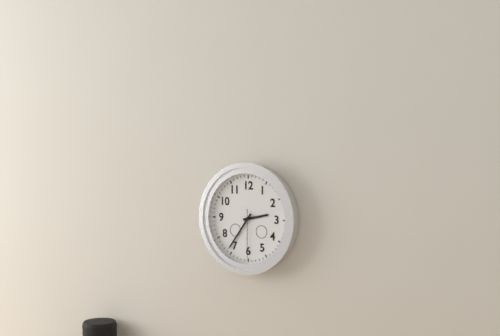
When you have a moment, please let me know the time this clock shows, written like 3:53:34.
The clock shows 2:36:30
